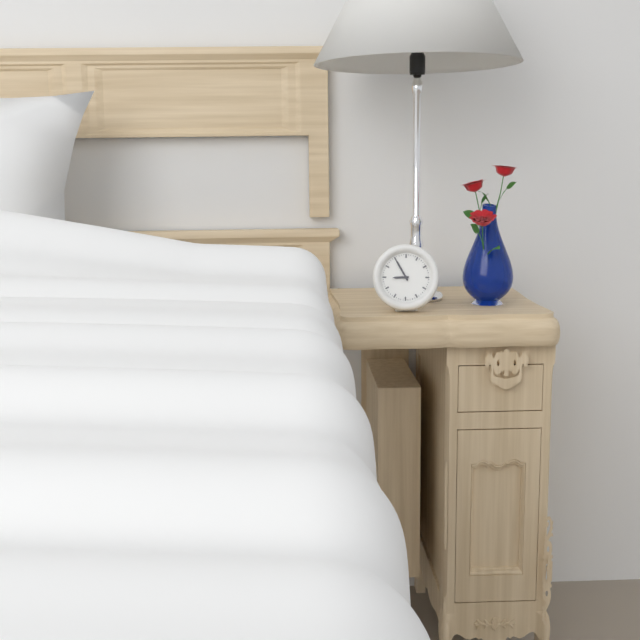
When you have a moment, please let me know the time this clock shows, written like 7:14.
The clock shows 8:55
